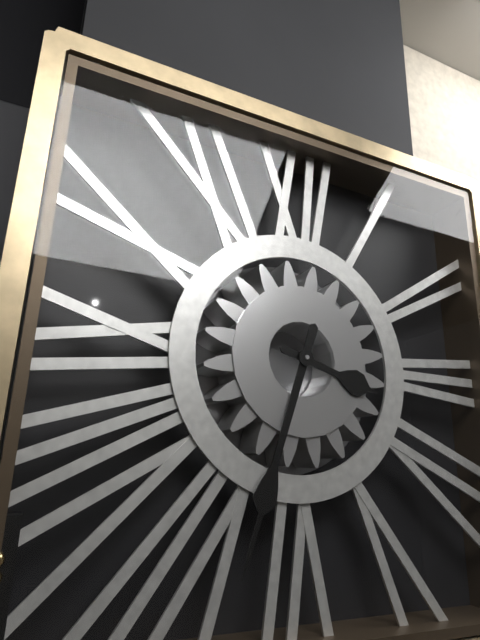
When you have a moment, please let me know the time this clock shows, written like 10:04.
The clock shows 3:33
